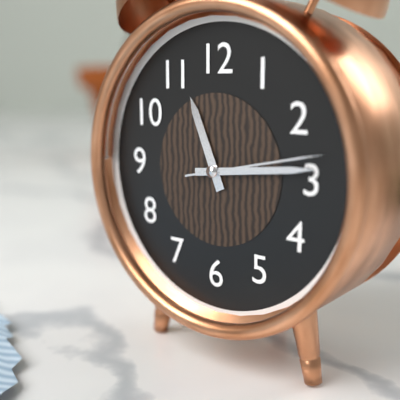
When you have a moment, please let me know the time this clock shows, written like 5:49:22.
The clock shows 11:14:13
